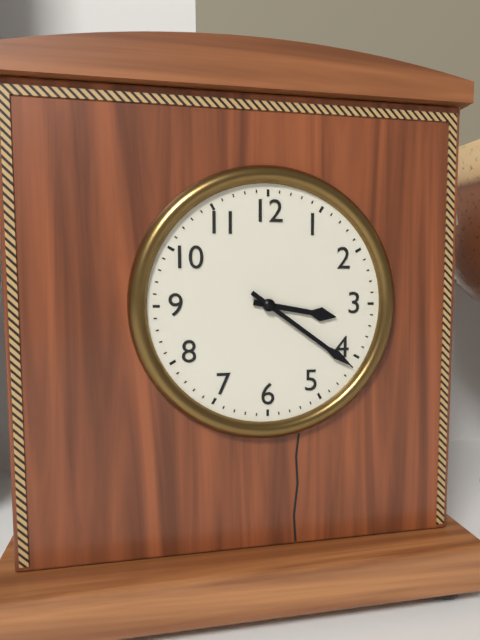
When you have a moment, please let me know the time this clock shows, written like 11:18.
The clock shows 3:21
